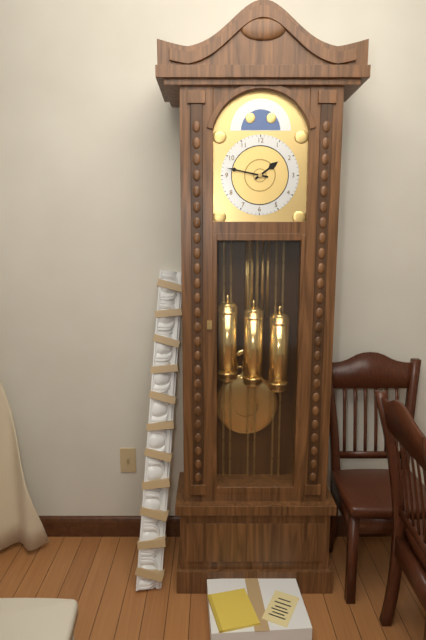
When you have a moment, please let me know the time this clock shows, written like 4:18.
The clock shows 1:47
